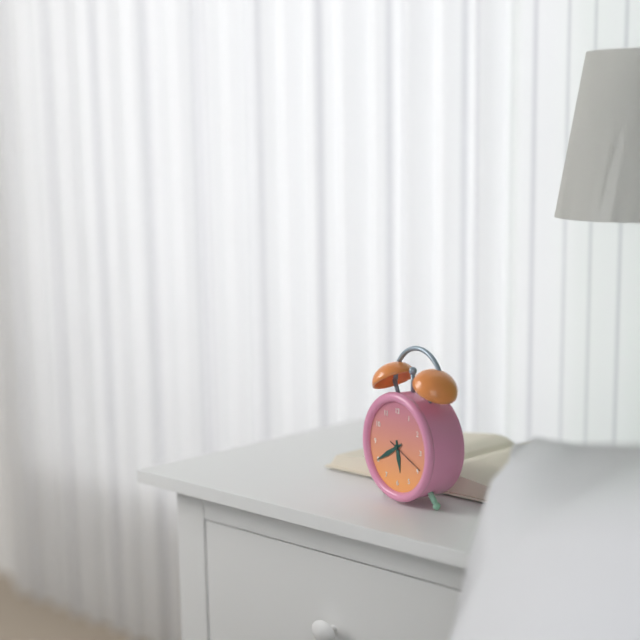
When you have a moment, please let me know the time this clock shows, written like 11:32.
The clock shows 5:40
